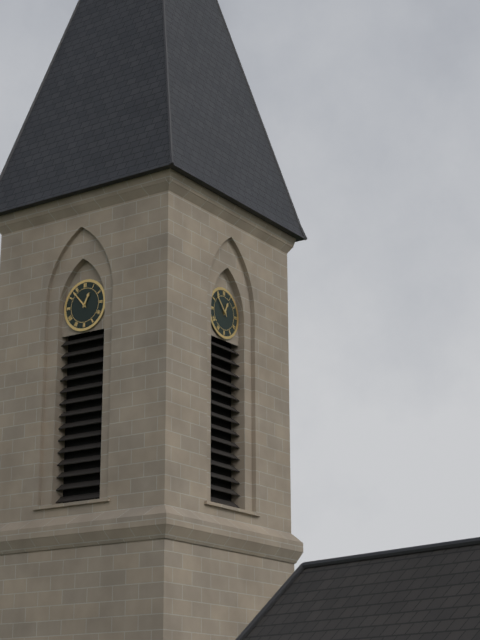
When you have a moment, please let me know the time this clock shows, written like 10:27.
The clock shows 12:53
